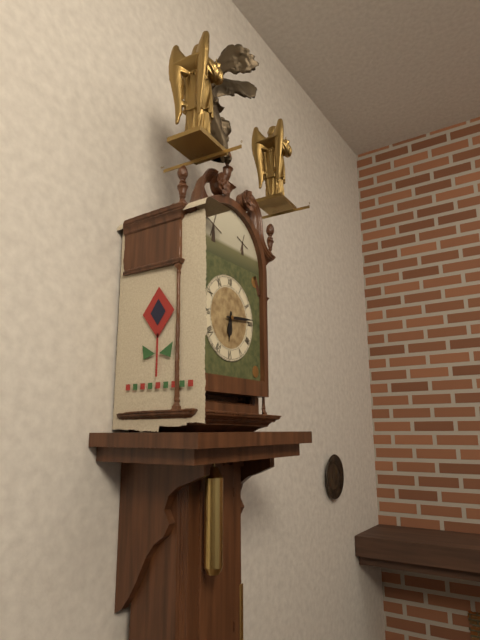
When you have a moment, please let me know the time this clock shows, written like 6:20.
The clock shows 6:14
